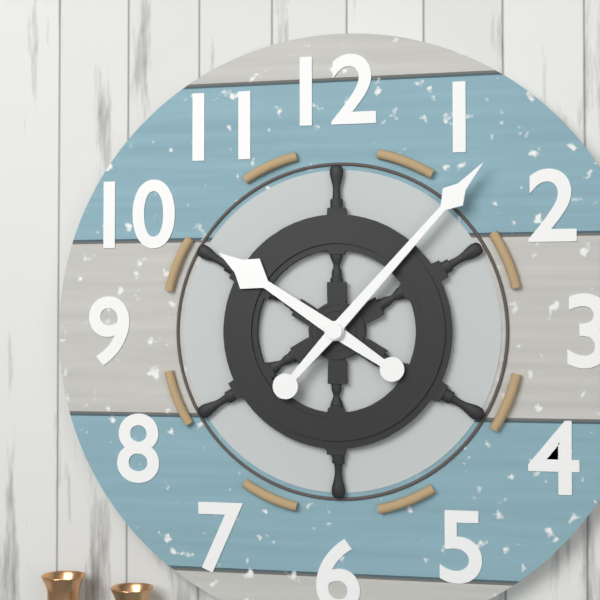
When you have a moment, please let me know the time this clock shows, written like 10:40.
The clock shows 10:07
